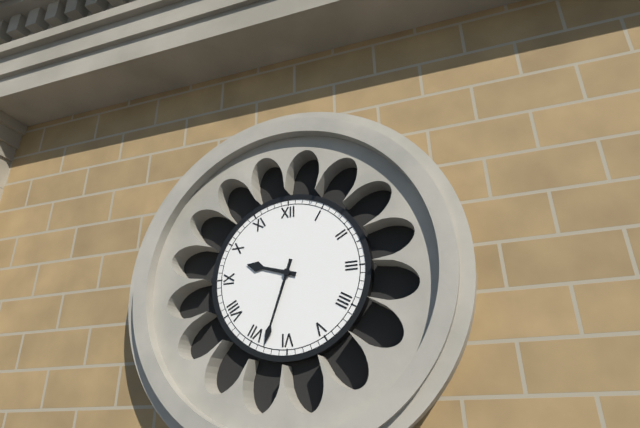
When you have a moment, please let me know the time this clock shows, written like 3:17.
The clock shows 9:33
